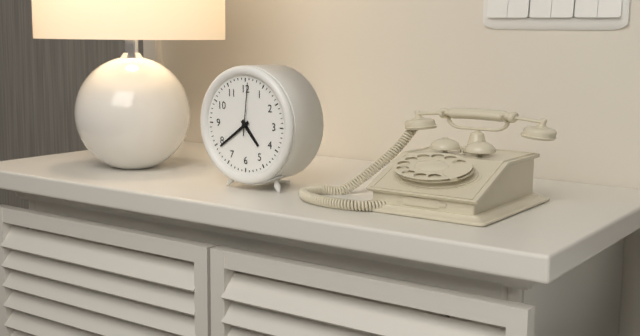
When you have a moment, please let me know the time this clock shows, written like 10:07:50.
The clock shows 4:39:01
